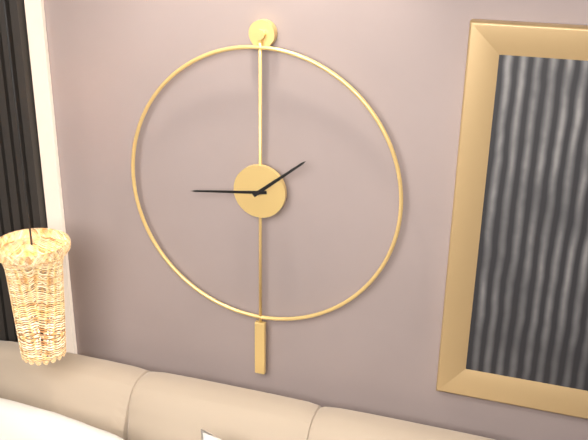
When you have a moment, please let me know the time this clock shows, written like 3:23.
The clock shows 1:44
